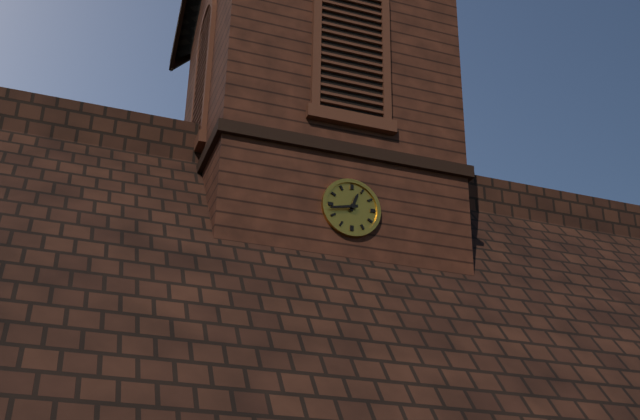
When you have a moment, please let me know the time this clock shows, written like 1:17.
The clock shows 12:43
